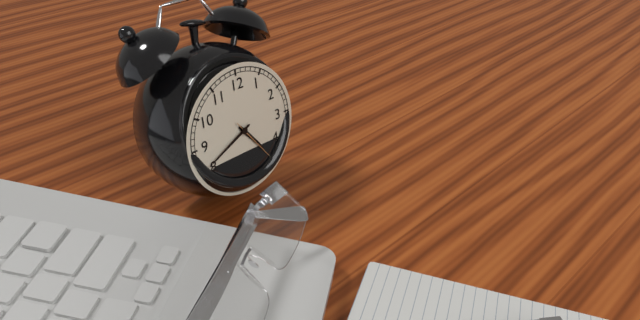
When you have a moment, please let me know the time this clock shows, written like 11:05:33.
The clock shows 4:41:24
